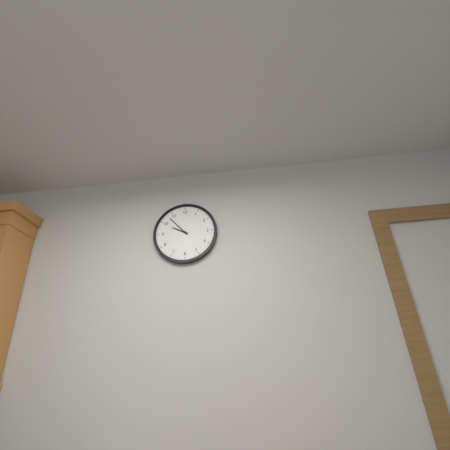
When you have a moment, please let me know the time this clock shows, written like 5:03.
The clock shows 9:53
